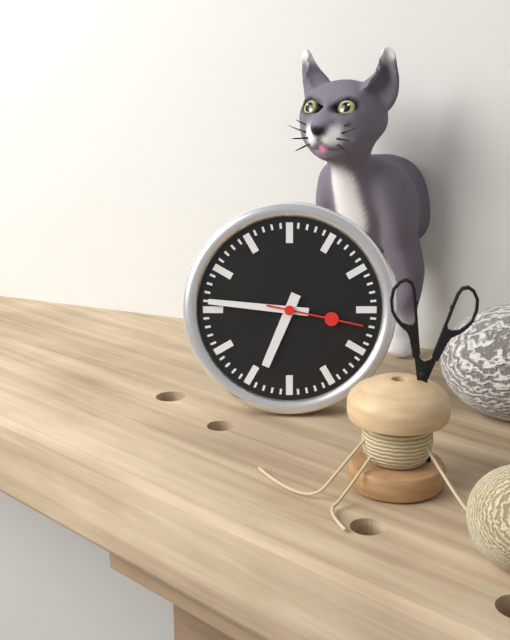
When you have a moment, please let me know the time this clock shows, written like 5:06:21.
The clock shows 6:46:17
